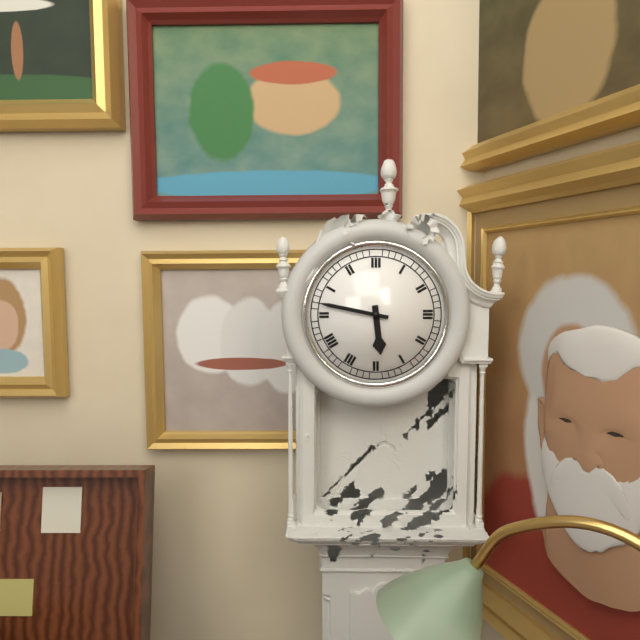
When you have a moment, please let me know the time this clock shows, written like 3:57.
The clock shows 5:47
